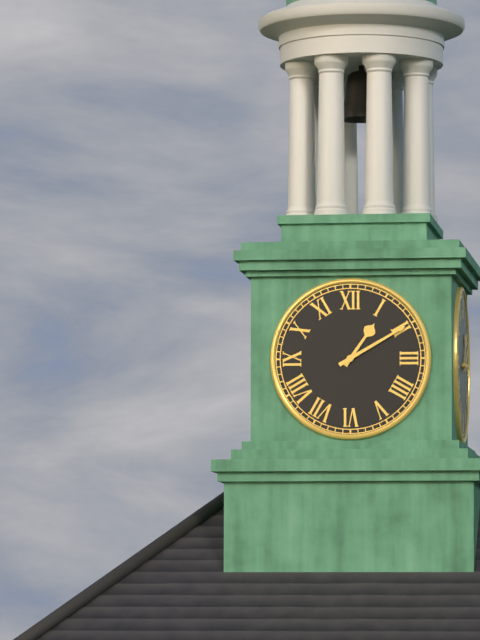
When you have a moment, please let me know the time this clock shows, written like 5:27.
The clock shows 1:10
